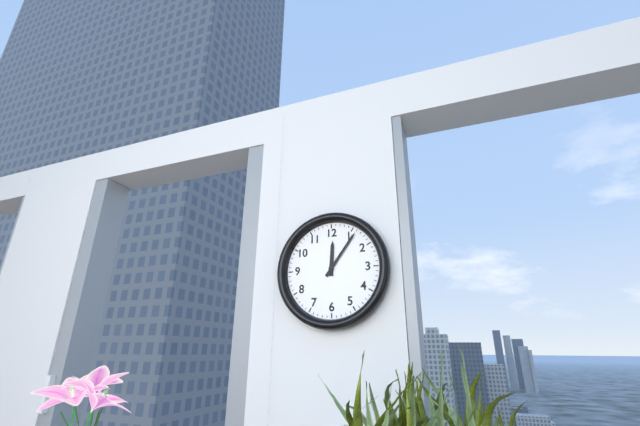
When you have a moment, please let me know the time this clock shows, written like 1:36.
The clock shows 12:06
